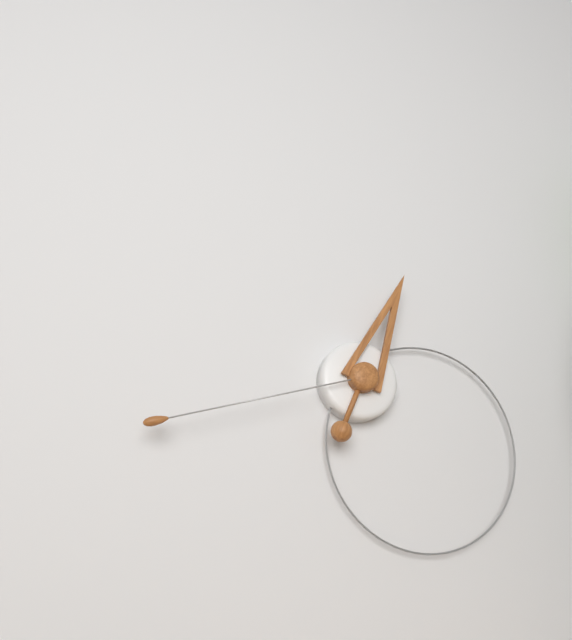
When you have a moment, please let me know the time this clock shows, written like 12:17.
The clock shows 12:42
